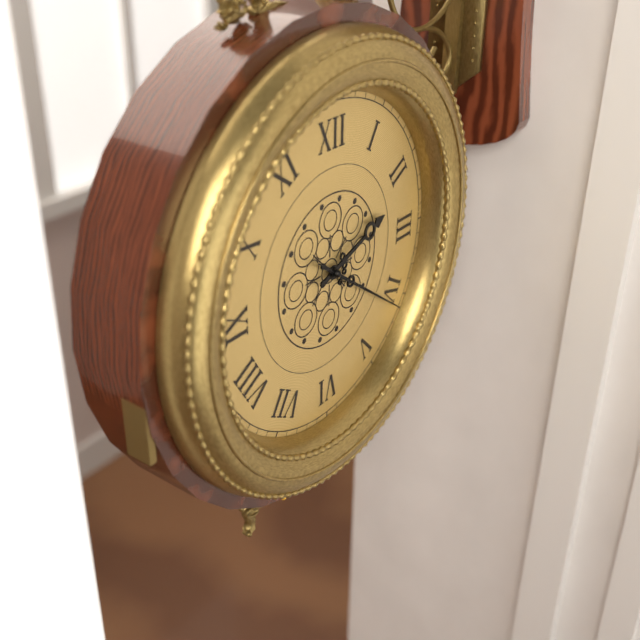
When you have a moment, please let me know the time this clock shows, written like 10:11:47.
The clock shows 2:21:21
